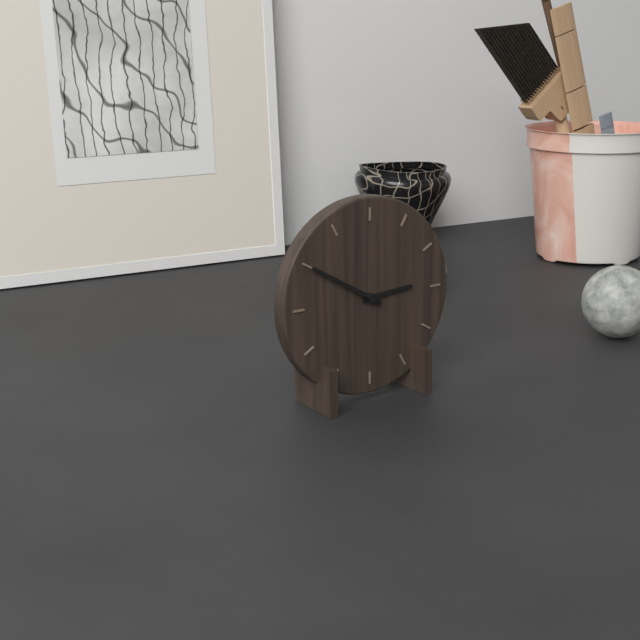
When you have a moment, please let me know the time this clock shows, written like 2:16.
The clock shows 2:50
